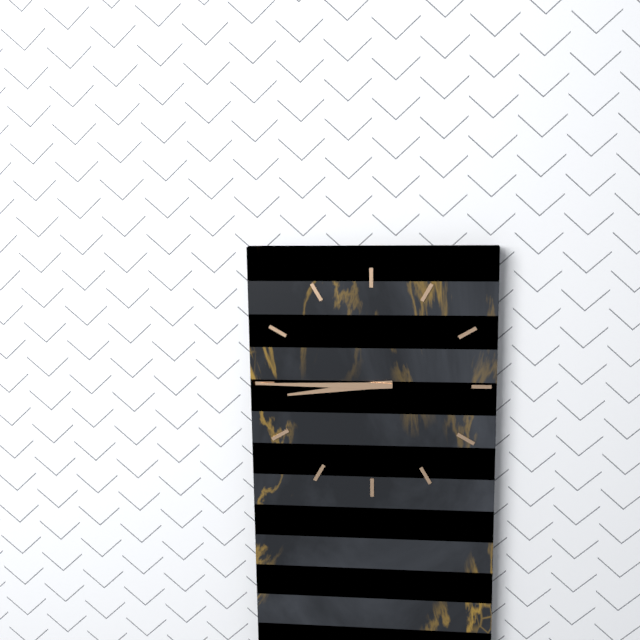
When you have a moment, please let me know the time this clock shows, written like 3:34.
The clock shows 8:45
